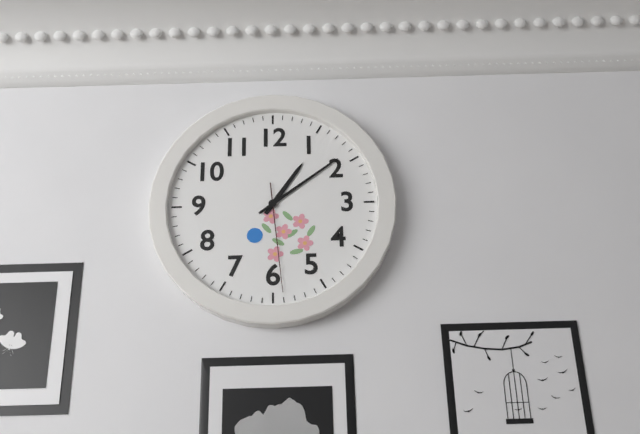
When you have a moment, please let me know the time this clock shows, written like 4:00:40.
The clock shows 1:09:29
